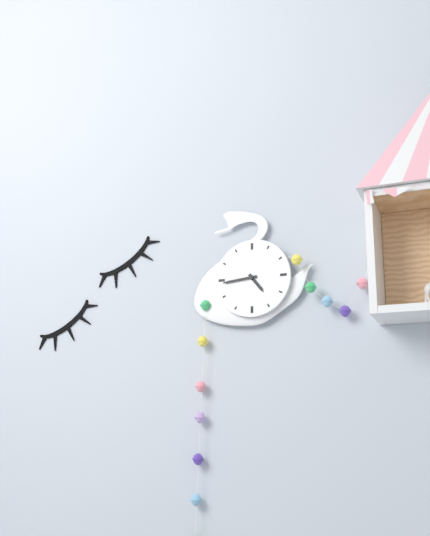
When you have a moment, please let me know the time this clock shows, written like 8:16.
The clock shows 4:44
